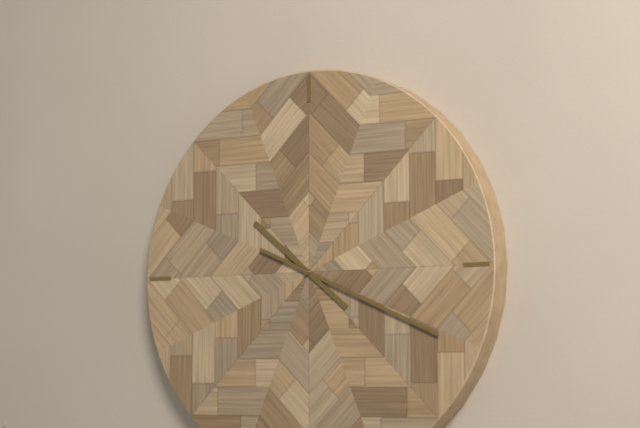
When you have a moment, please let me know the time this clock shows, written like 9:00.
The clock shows 10:19
